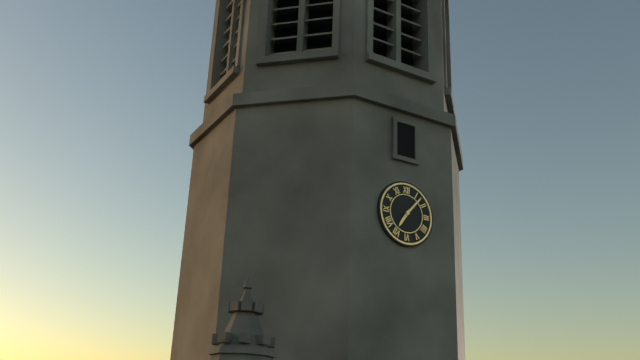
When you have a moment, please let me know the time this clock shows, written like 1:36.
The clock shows 7:07
